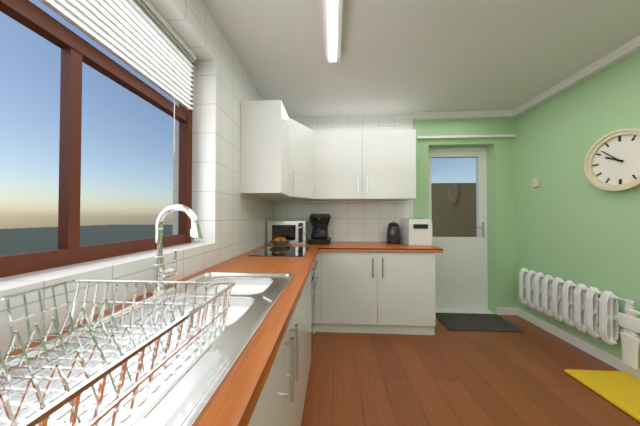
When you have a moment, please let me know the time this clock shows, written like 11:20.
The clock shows 9:52
